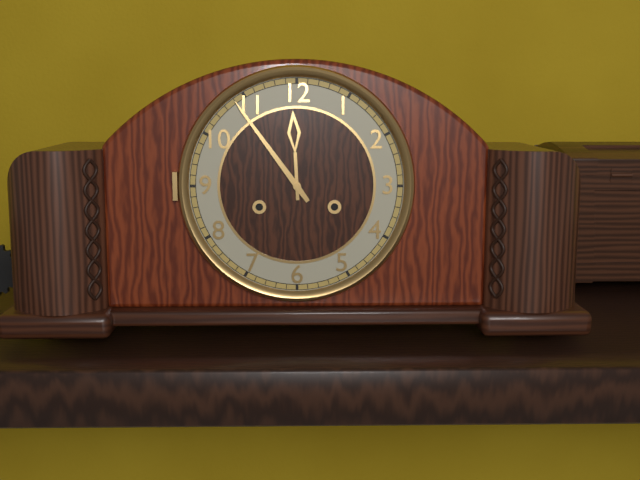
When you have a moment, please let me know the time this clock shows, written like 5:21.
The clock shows 11:54
